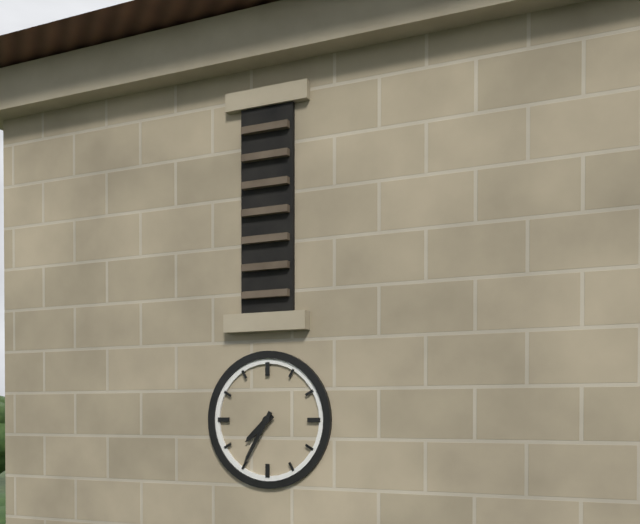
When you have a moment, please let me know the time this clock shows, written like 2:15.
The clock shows 7:35
